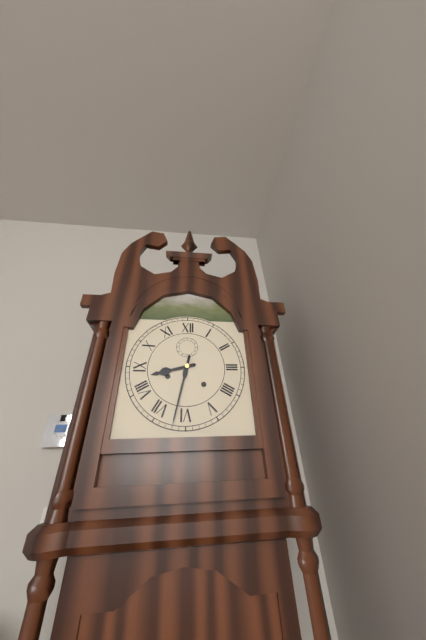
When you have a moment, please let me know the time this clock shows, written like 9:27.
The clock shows 8:32
